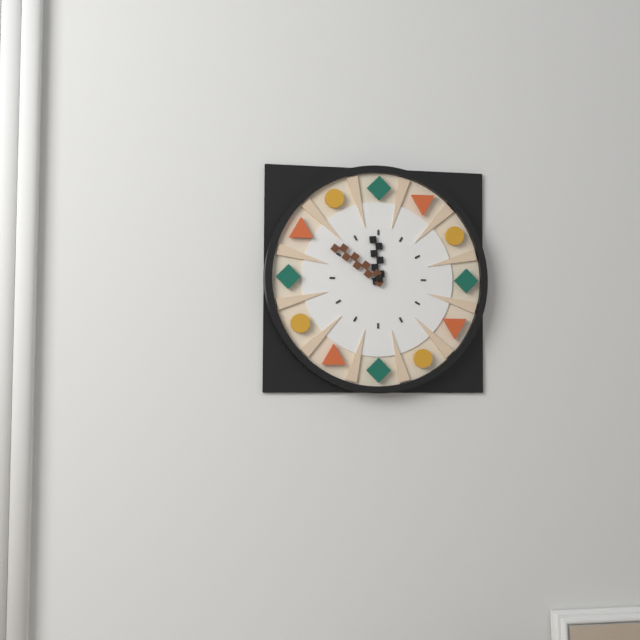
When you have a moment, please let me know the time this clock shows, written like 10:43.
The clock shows 11:51
